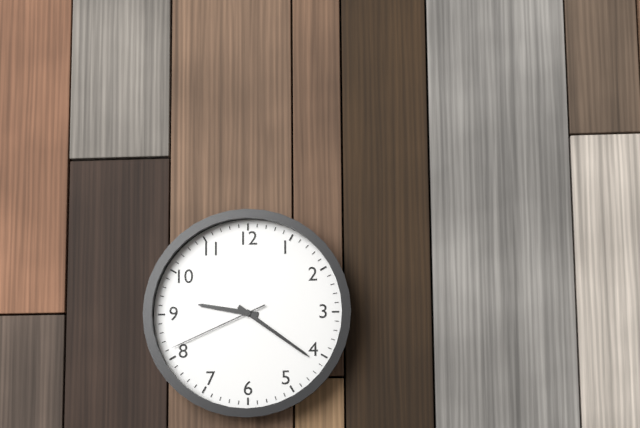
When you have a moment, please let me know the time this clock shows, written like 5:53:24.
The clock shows 9:21:41
